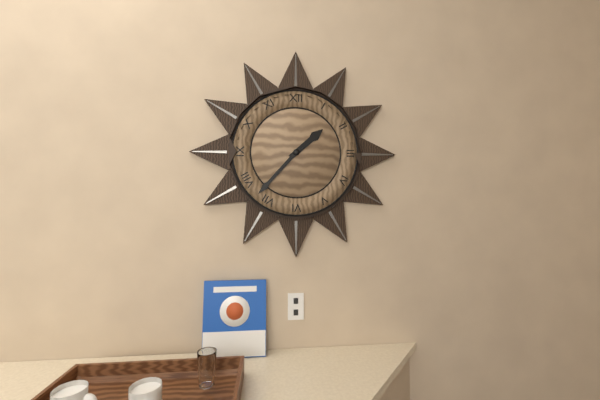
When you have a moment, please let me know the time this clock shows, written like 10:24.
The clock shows 1:37
